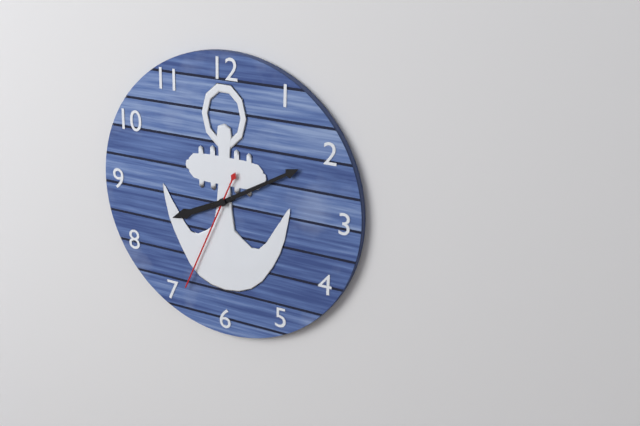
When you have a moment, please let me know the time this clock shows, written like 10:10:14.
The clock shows 8:10:34
